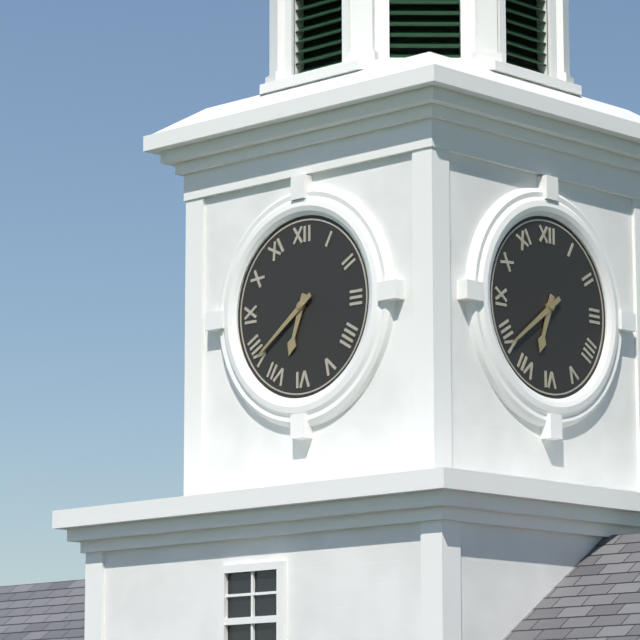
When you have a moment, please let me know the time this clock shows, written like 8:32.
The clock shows 6:39
